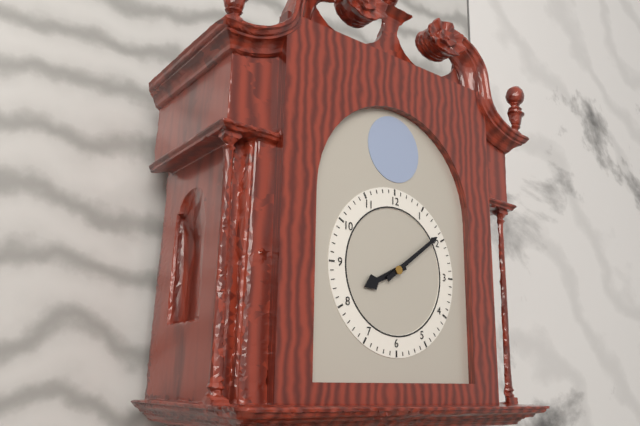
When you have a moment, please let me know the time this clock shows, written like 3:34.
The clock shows 8:09
